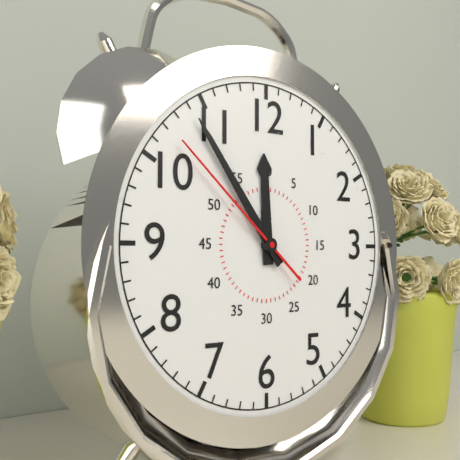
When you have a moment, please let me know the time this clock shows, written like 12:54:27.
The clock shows 11:54:52
